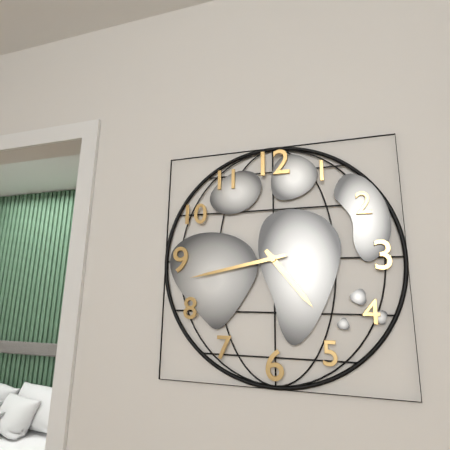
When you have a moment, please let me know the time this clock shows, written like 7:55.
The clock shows 4:43
